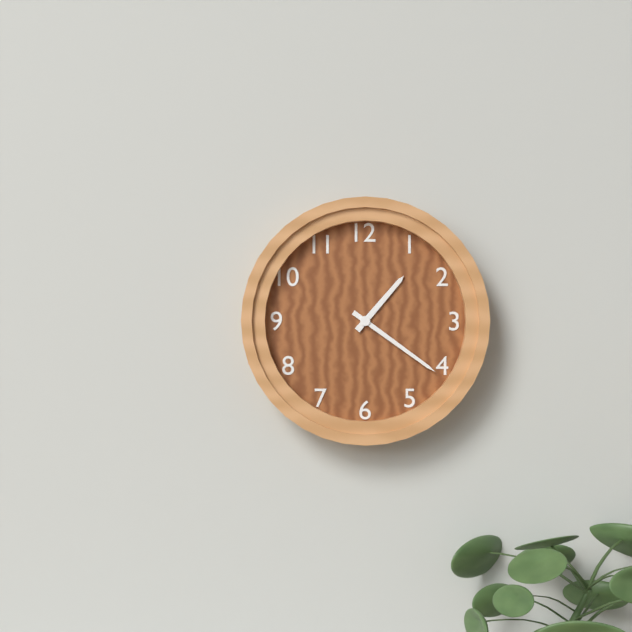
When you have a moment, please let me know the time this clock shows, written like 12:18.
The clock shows 1:21
